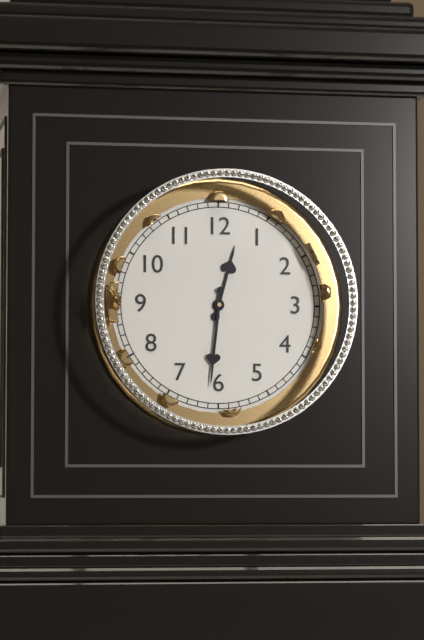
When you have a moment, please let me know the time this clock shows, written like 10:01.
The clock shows 12:31
